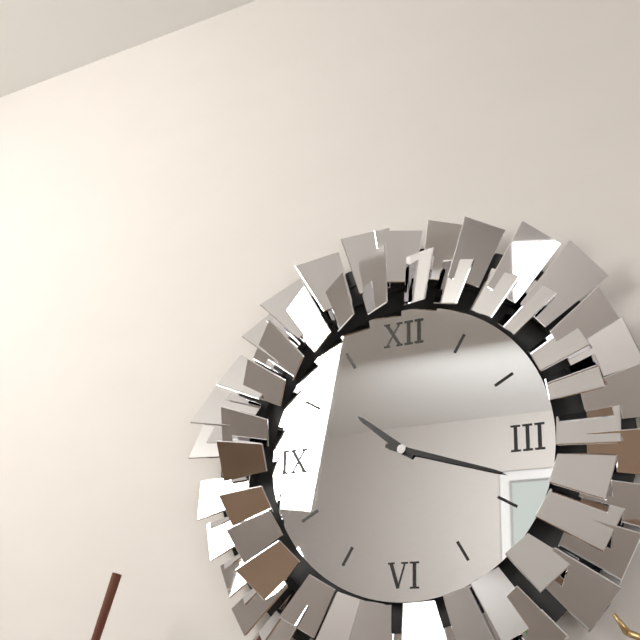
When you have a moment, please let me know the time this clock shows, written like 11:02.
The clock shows 10:18
